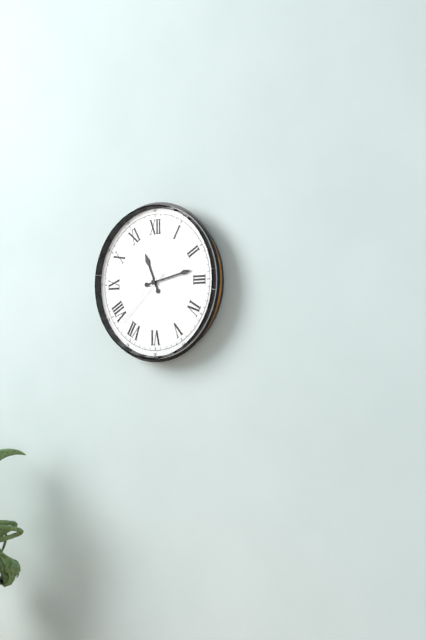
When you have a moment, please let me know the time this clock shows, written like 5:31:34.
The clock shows 11:13:38
